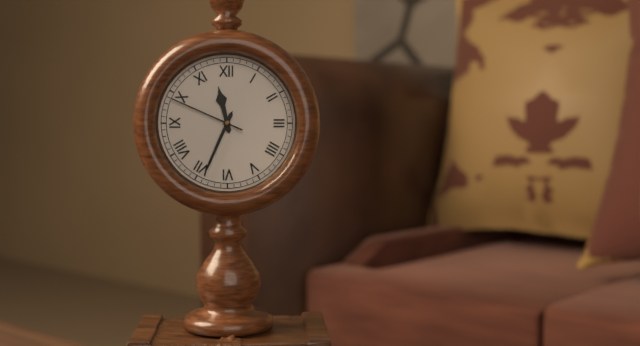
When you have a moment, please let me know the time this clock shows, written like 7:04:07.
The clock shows 11:34:49
